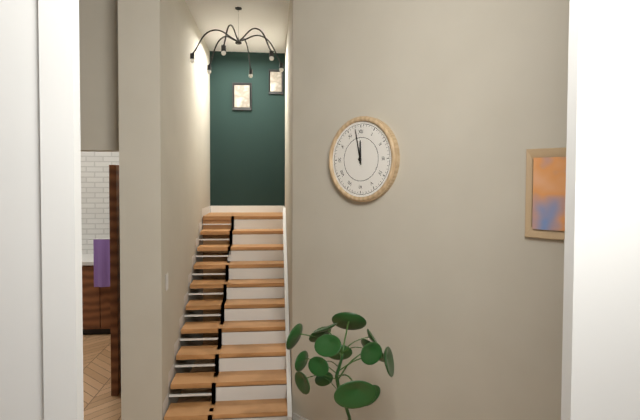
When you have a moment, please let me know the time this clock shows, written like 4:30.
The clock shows 11:58
